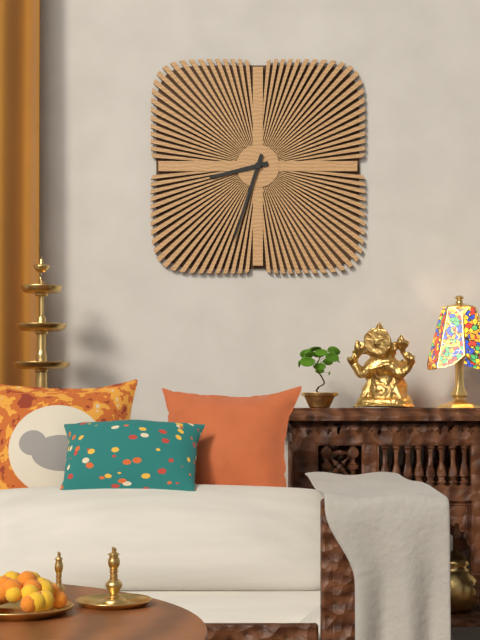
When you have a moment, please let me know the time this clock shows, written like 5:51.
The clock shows 8:33
